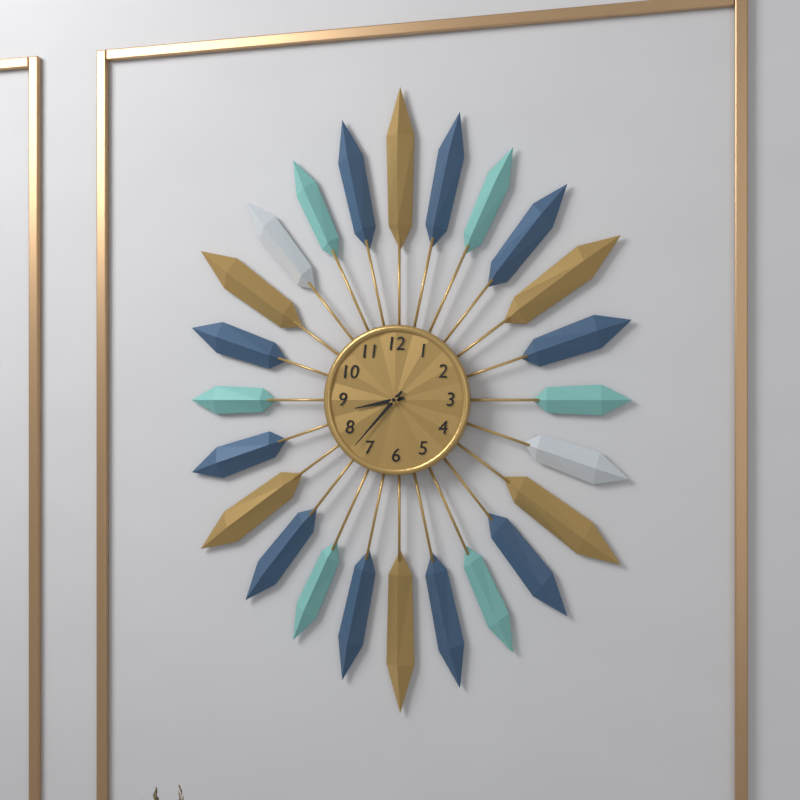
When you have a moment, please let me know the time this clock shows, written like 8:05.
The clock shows 8:37
